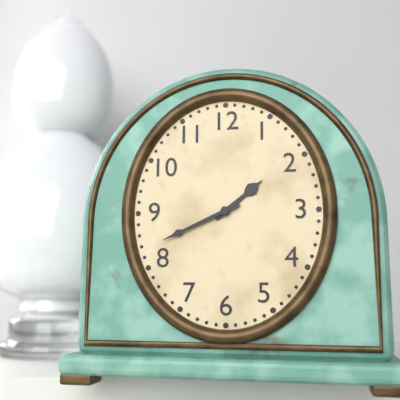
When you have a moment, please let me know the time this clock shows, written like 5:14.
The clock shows 1:41
